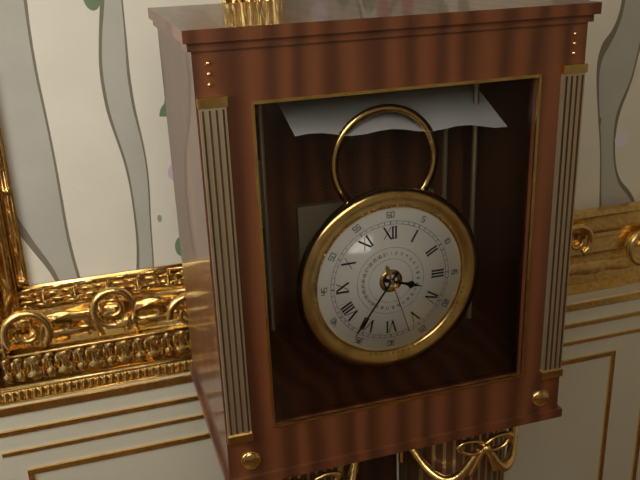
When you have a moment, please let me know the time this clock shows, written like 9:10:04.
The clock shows 3:36:27
